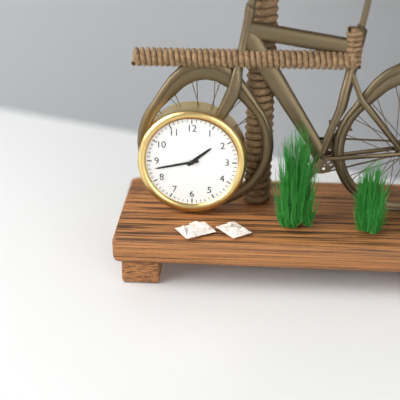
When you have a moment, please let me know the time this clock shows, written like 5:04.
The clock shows 1:43
